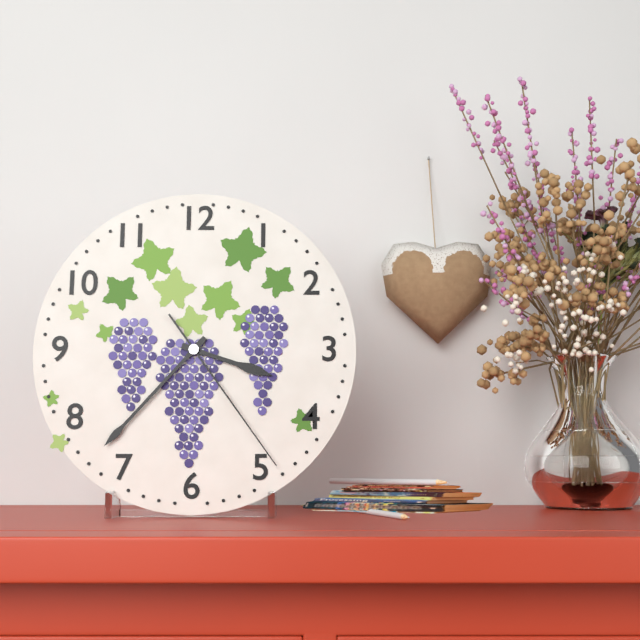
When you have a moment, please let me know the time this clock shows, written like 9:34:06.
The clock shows 3:37:24
